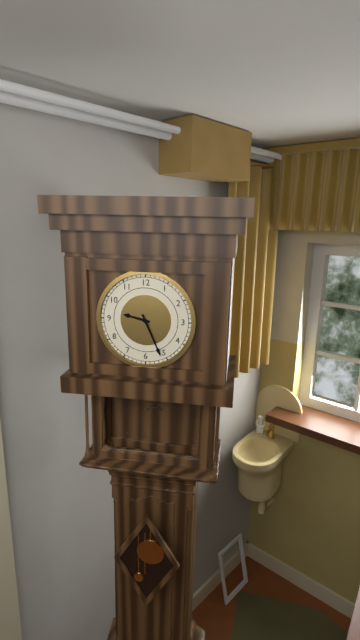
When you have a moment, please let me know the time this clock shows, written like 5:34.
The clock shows 9:26
